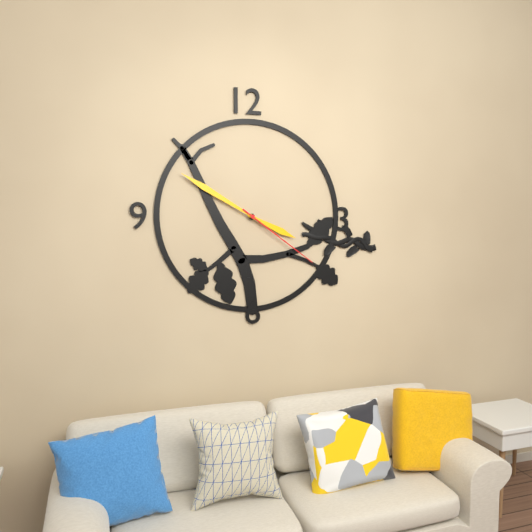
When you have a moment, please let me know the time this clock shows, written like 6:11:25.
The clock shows 3:50:21
